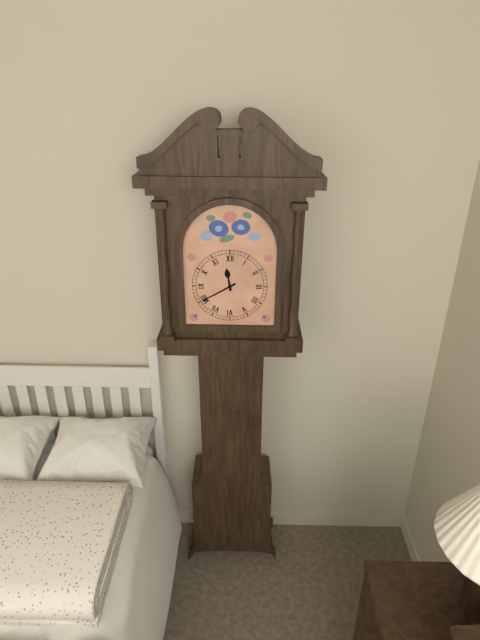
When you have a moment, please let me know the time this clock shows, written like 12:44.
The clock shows 11:40
